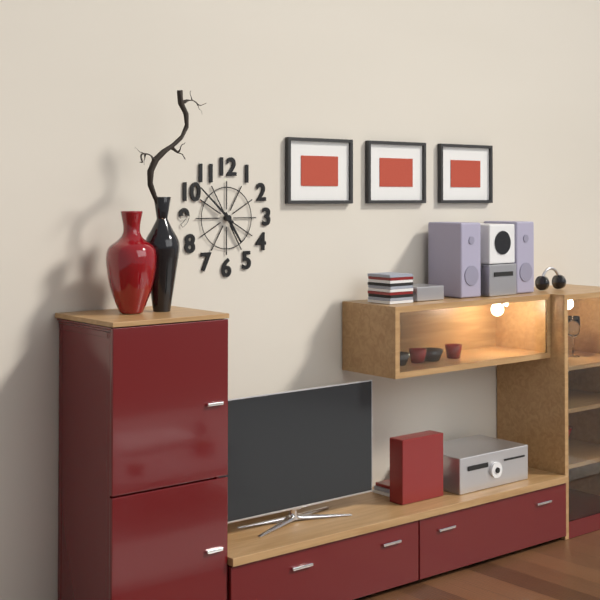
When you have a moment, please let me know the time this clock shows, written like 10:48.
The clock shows 4:52
